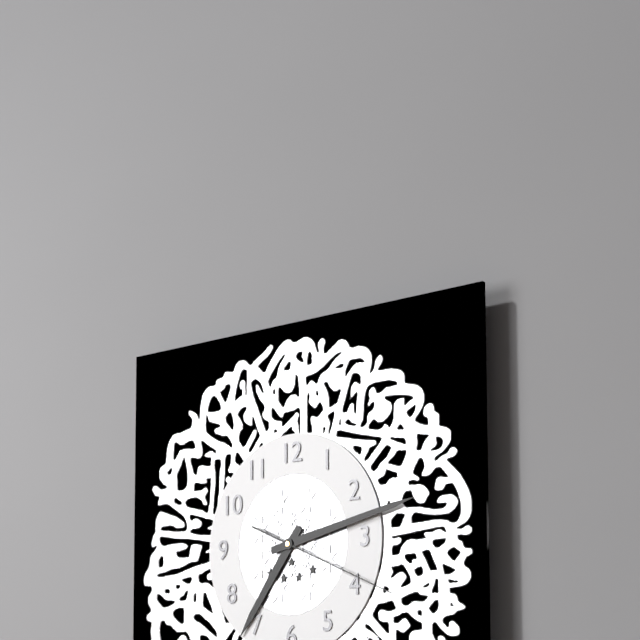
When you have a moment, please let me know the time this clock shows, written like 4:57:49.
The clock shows 7:13:19
